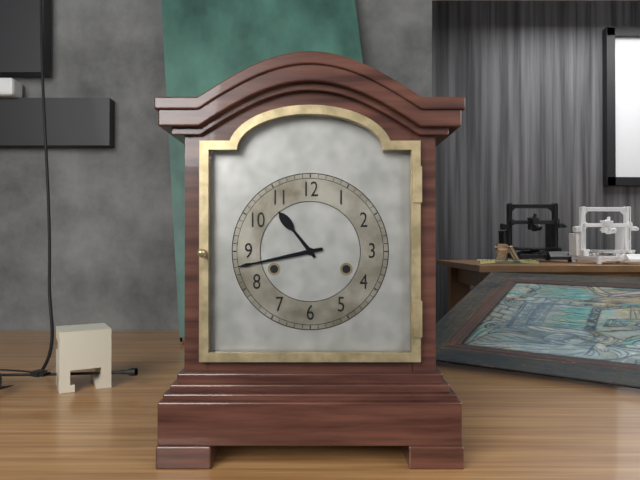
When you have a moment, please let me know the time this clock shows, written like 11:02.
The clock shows 10:43
